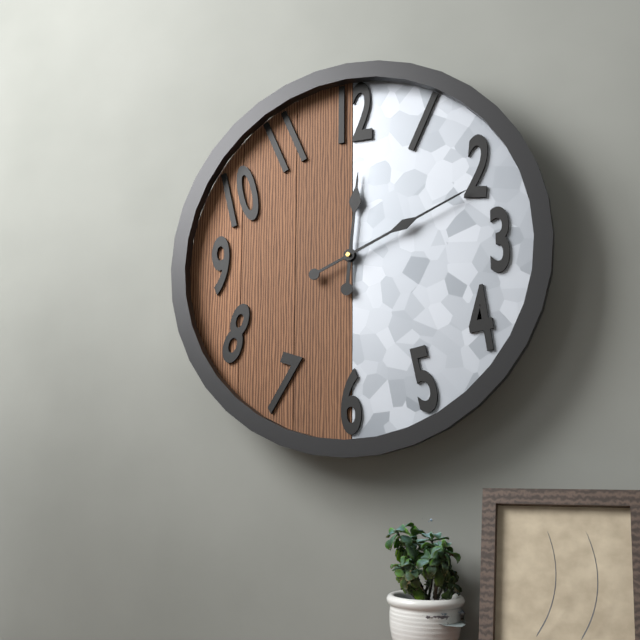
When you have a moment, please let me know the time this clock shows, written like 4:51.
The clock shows 12:11
